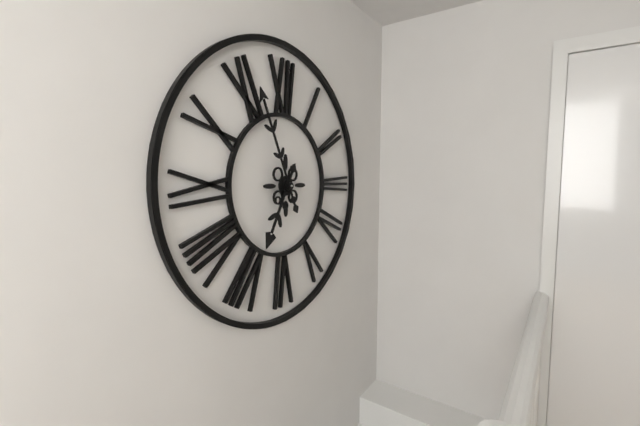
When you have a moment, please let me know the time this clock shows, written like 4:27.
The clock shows 6:56
